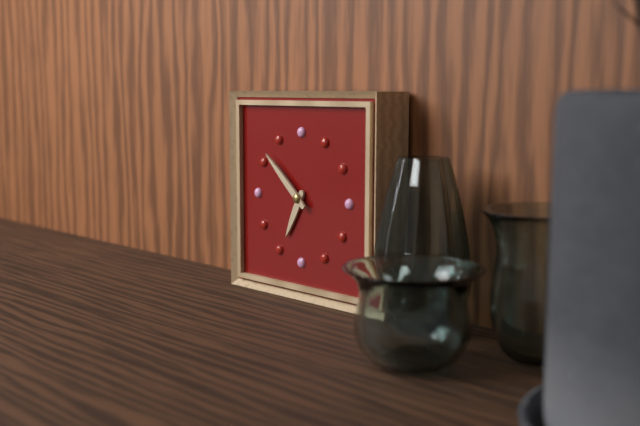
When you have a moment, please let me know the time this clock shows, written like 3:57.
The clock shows 6:52
